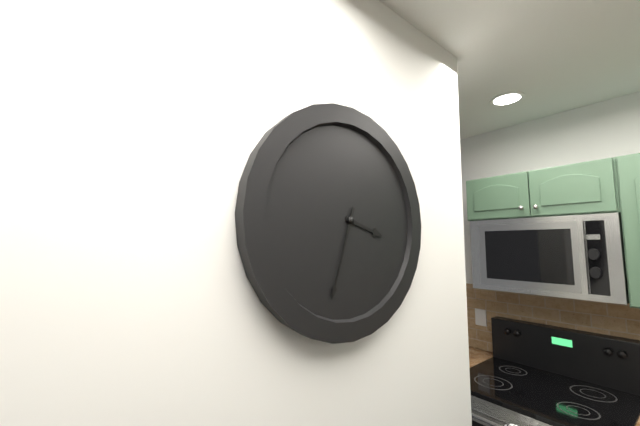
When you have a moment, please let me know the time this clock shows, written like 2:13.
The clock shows 3:33
